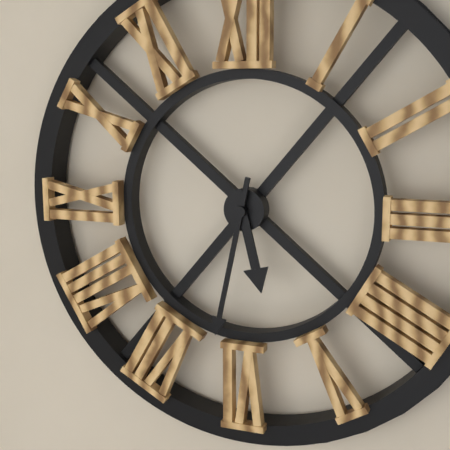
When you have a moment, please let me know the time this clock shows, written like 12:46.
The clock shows 5:32
